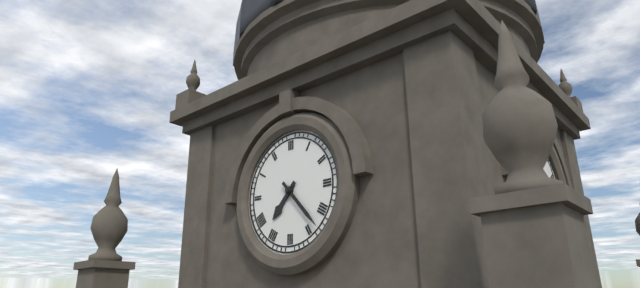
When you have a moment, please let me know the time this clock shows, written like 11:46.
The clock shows 7:23
